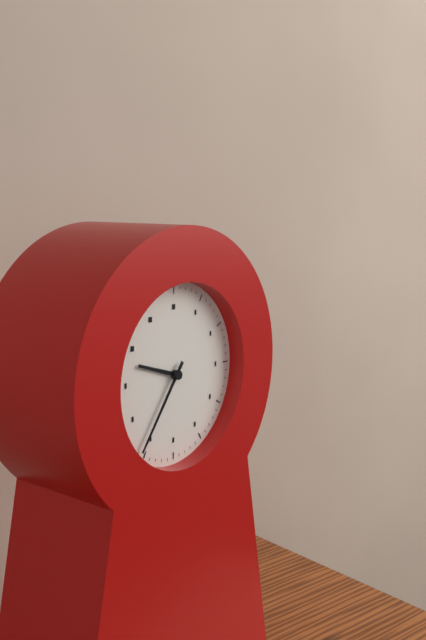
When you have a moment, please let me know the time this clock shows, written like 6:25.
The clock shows 9:36
